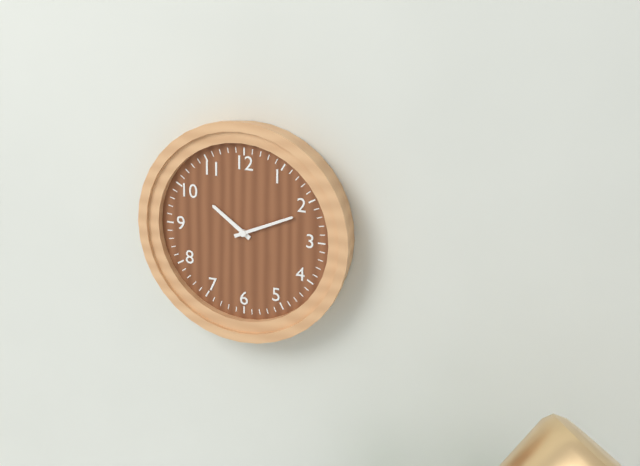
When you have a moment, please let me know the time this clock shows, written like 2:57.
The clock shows 10:11
